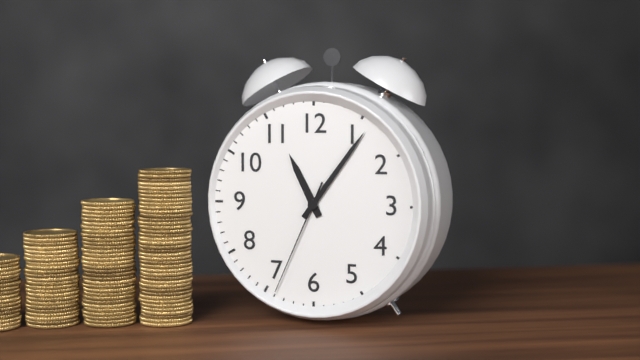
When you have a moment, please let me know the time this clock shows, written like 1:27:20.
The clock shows 11:06:34
